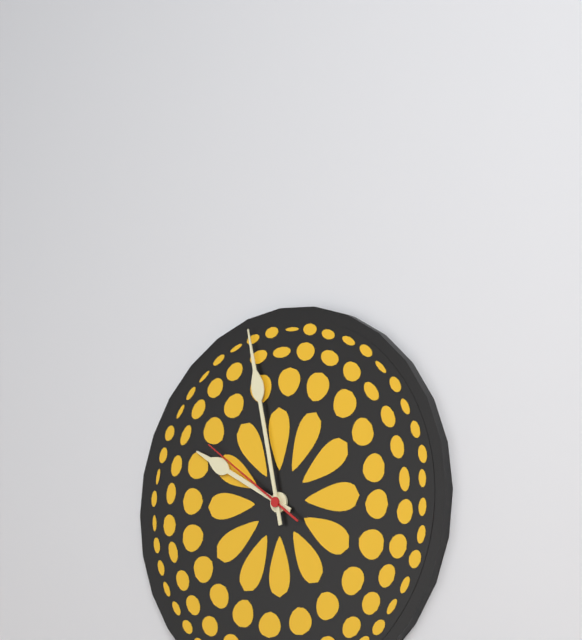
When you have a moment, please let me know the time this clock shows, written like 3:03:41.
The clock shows 9:58:51
